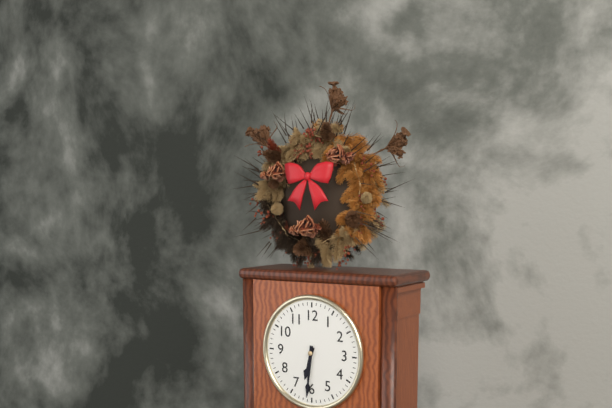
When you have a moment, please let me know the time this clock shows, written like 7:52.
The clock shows 6:31
